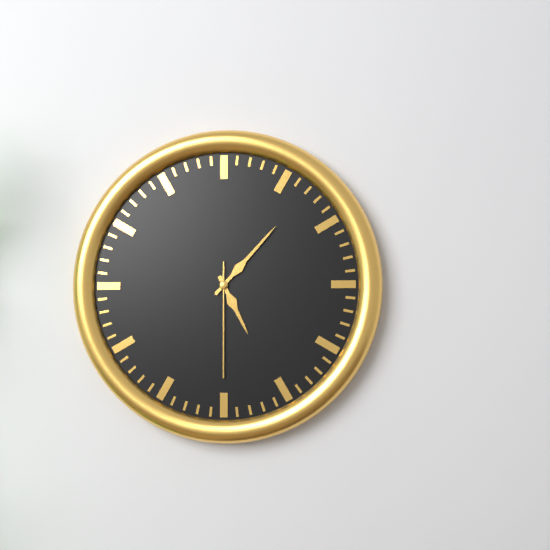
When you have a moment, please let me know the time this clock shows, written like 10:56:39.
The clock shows 5:07:30
